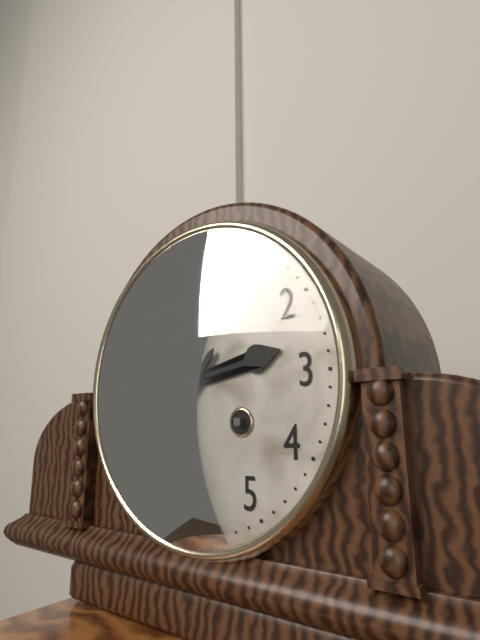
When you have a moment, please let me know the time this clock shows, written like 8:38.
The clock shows 2:36
